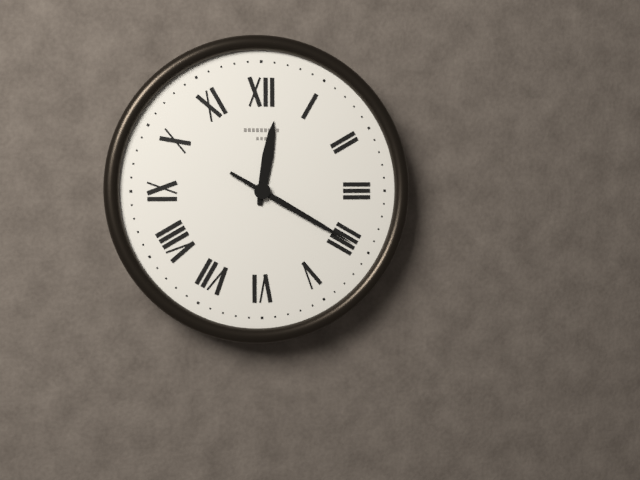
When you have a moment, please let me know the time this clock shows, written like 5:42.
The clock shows 12:20
